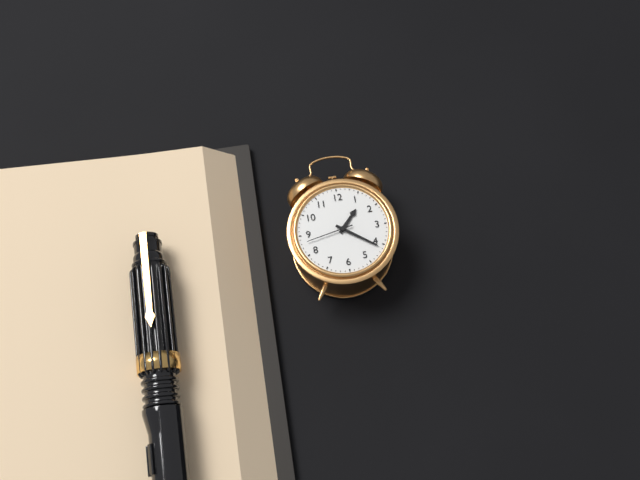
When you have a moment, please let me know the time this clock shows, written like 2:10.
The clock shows 1:21
